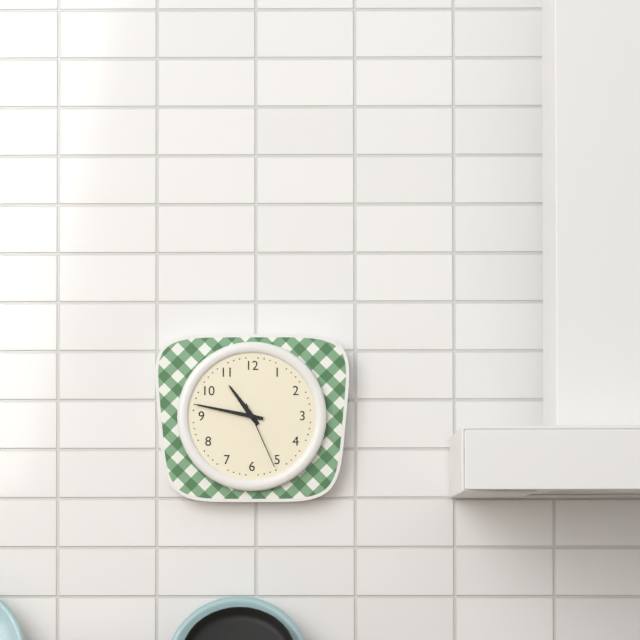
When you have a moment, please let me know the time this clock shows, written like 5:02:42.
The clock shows 10:47:26
